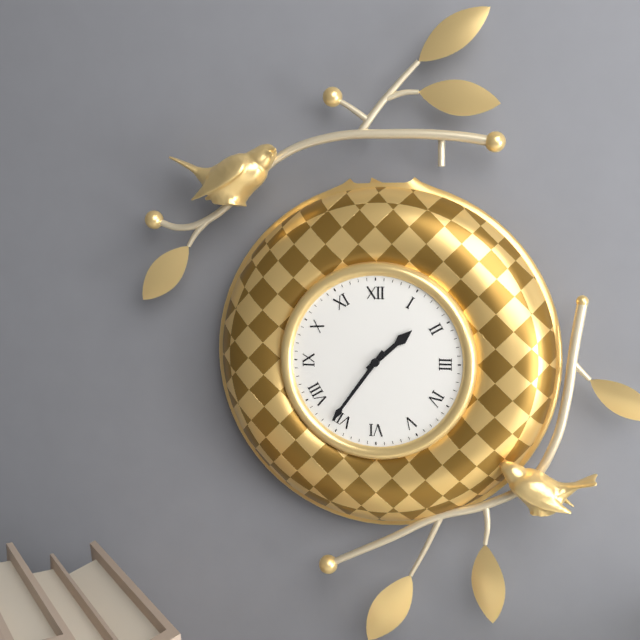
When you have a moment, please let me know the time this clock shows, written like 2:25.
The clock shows 1:36
